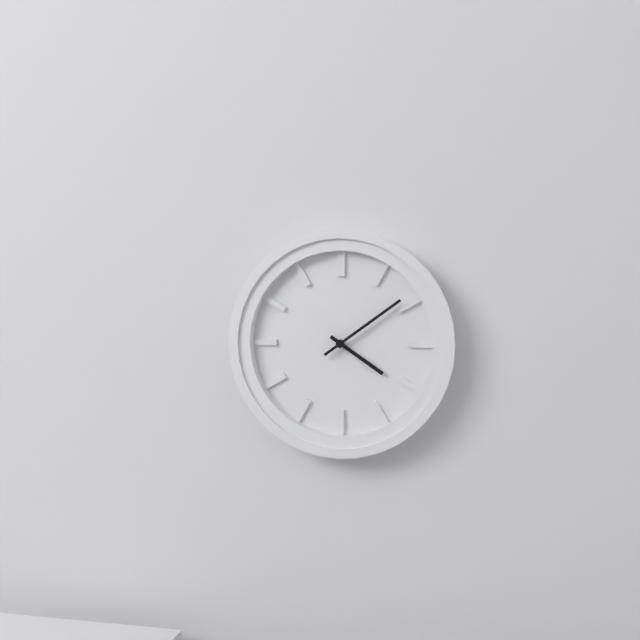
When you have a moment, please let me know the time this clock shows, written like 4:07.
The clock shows 4:09
